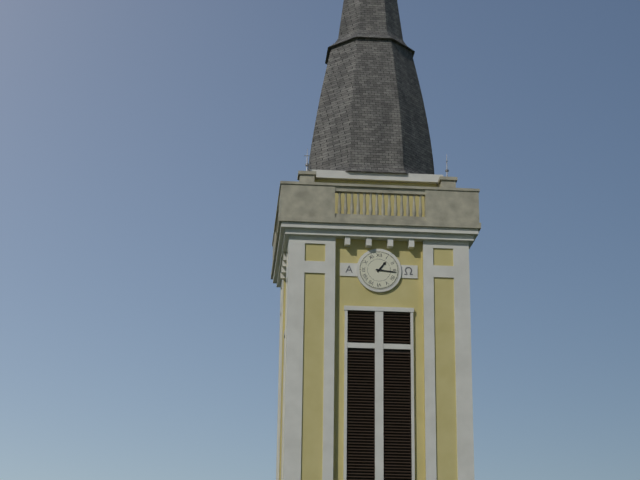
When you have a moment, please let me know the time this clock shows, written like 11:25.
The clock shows 1:16
